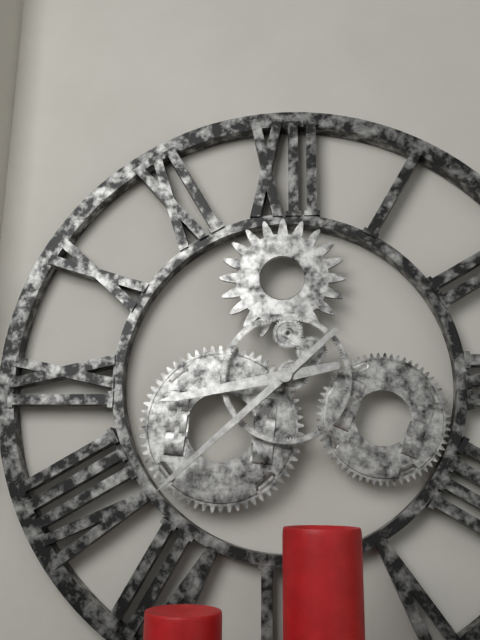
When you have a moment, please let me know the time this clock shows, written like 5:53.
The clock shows 8:38
